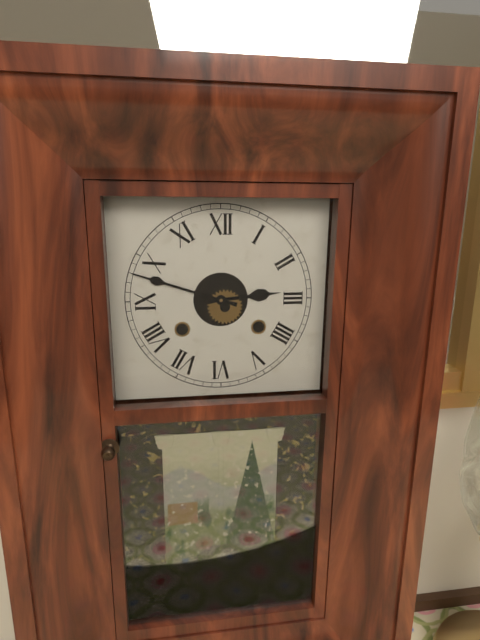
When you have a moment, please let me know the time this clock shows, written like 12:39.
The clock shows 2:48
